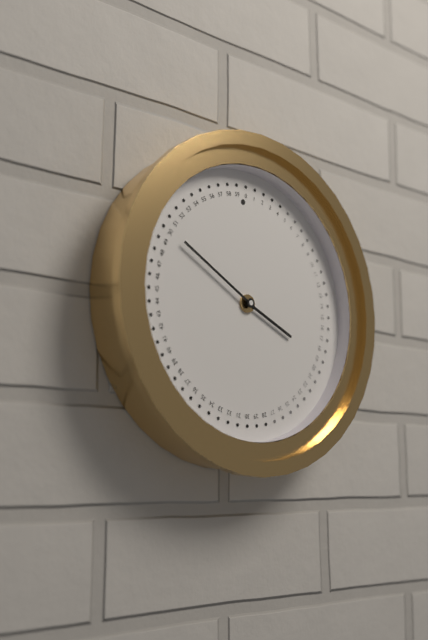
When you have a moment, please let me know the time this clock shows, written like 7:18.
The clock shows 3:50
